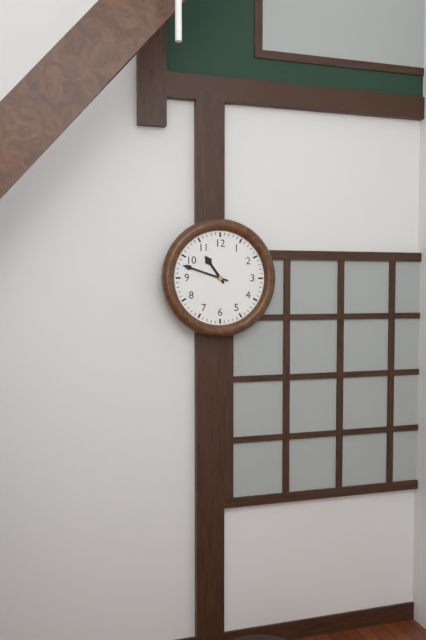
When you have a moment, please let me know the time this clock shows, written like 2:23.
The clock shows 10:48
